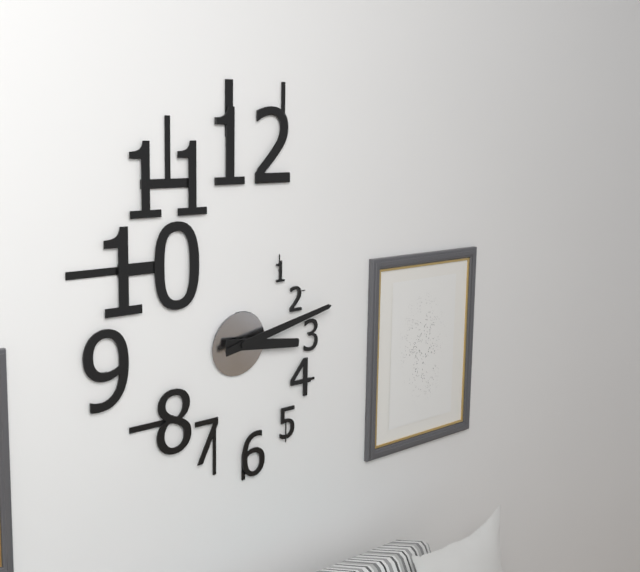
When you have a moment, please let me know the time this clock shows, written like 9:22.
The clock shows 3:13
